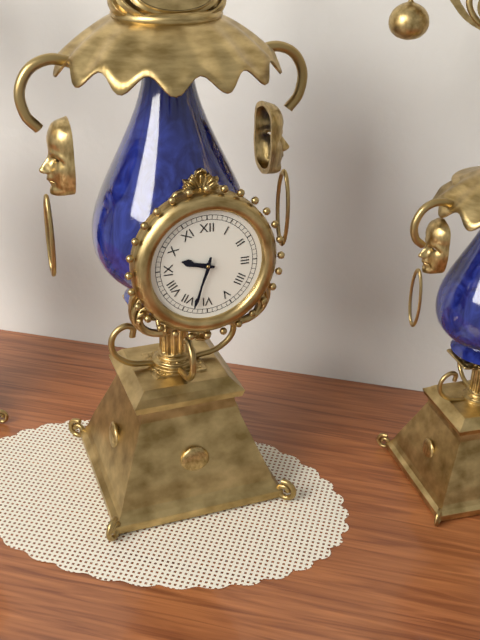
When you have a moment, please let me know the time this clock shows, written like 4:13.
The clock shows 9:33
